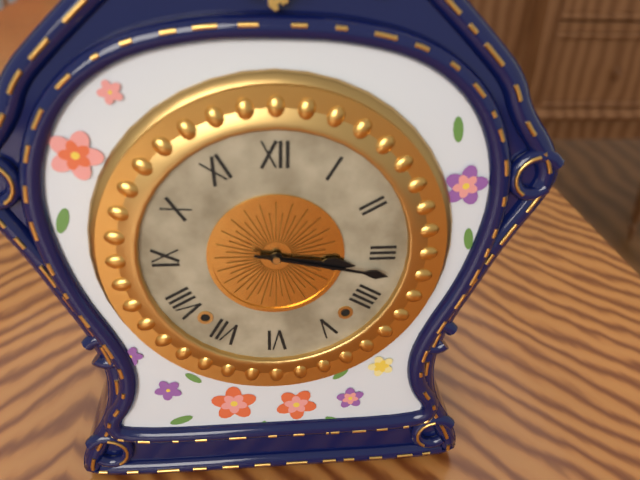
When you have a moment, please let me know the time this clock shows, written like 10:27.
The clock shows 3:17
